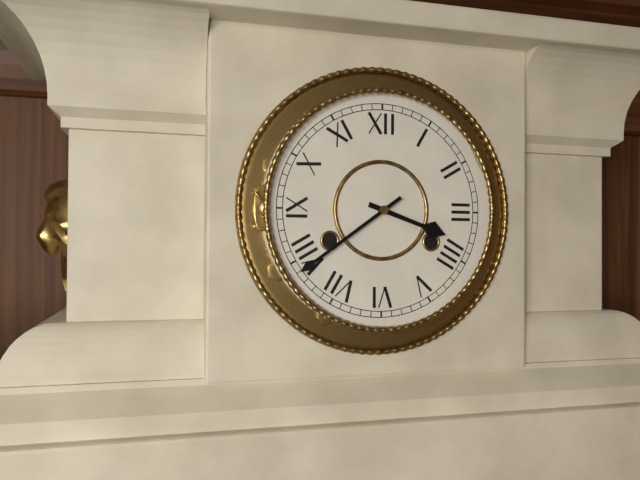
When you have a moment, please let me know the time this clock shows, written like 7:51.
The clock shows 3:39
